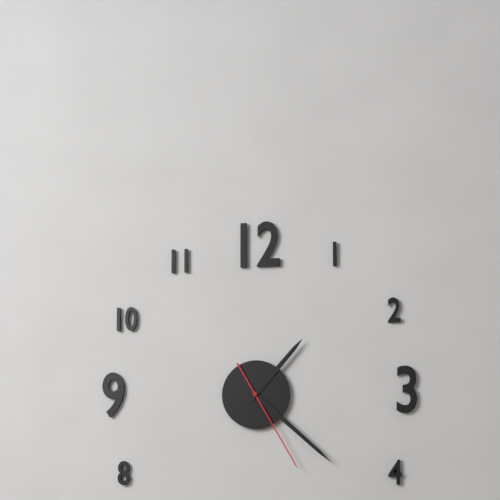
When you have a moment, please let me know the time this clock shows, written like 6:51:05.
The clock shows 1:22:25
